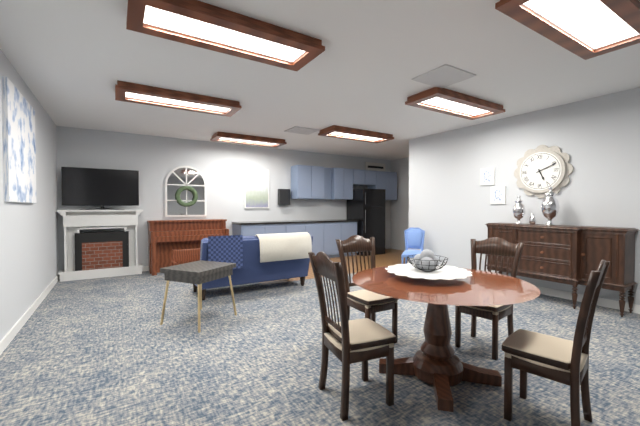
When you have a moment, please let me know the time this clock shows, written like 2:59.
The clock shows 5:11
